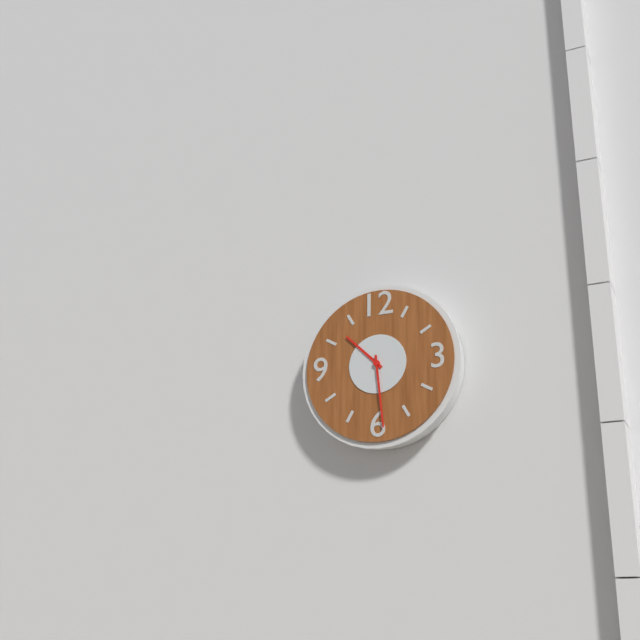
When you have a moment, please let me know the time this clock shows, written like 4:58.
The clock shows 10:29
